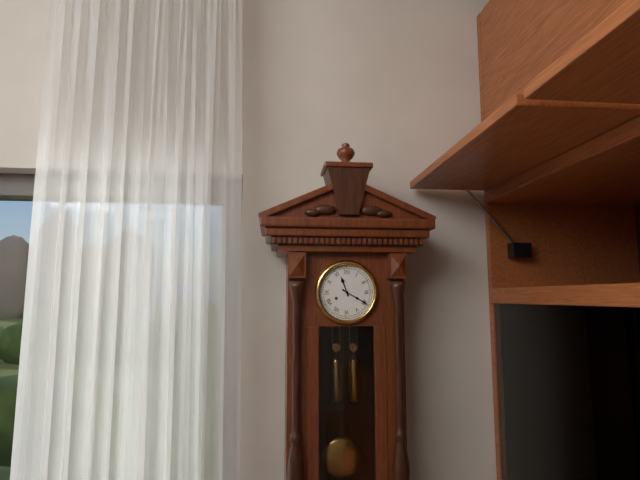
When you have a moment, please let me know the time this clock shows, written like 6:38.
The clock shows 11:20
